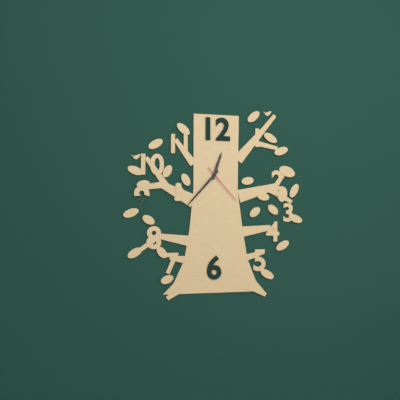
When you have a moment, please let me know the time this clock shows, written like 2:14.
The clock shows 12:37
